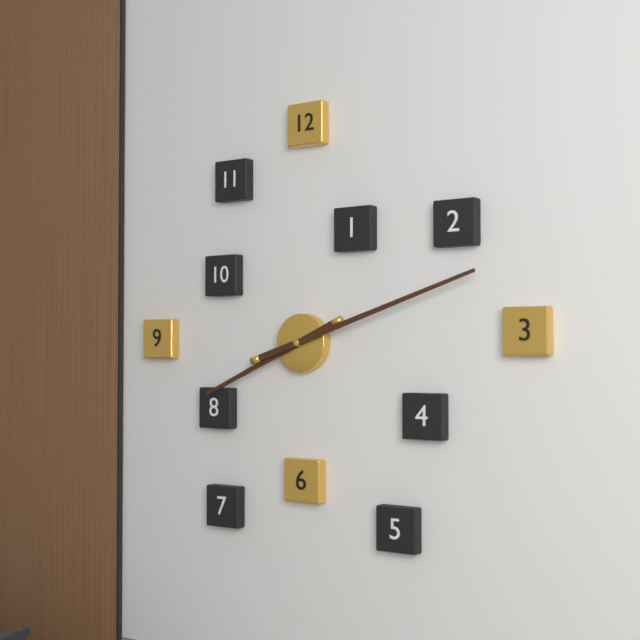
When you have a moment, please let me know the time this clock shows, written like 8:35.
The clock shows 8:12
